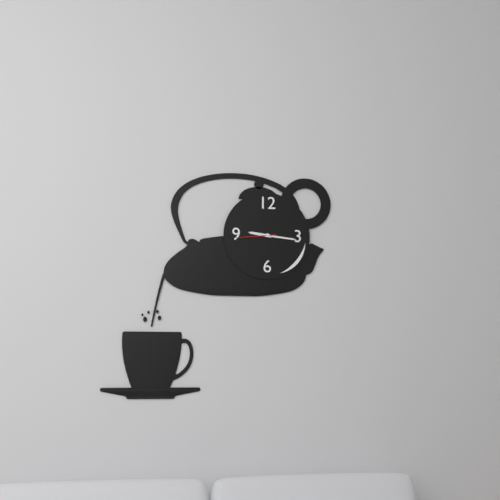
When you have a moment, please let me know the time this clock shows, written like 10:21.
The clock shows 9:16
